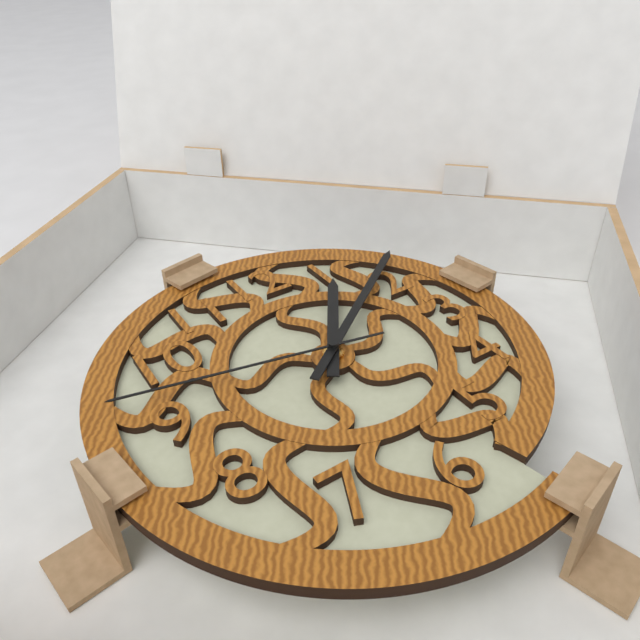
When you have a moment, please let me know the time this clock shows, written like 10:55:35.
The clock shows 1:09:47
